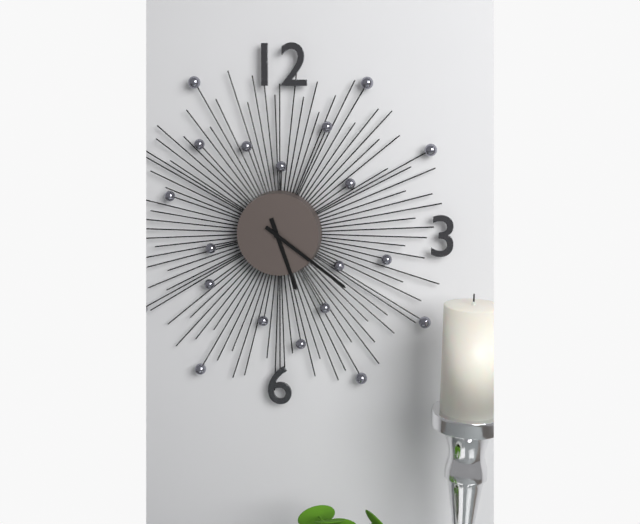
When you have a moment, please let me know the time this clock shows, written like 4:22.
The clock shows 5:21
